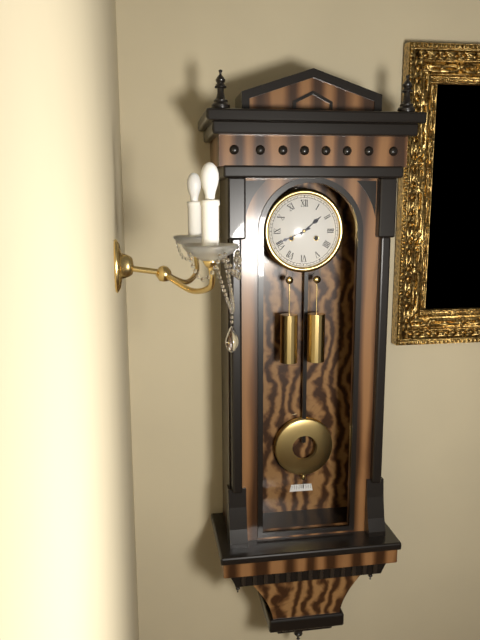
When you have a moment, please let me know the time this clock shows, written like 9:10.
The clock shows 1:41
